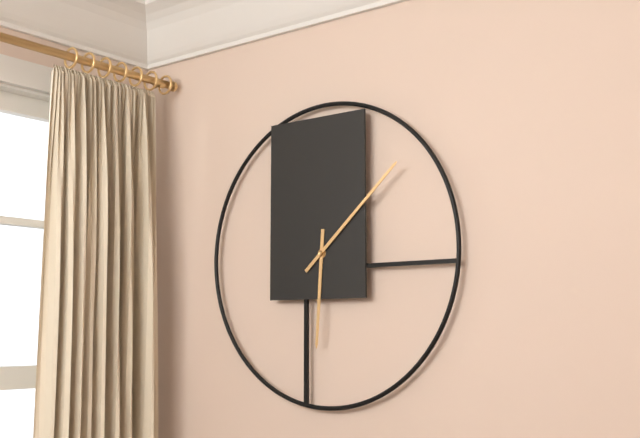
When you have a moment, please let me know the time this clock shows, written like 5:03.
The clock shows 6:08
